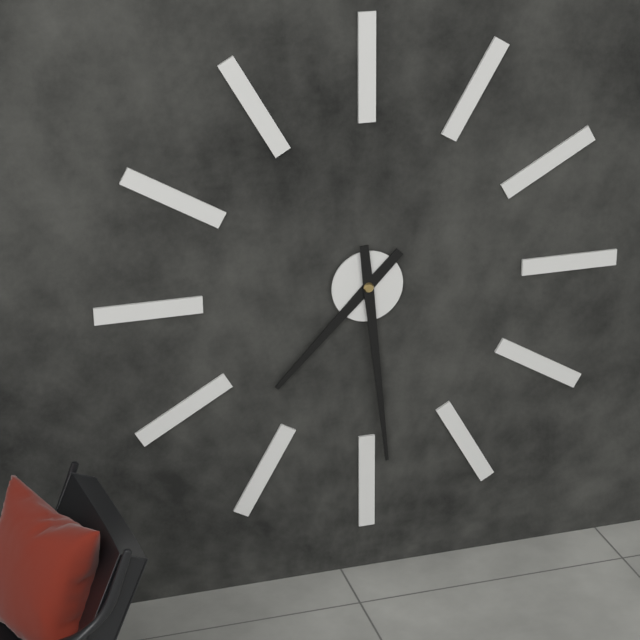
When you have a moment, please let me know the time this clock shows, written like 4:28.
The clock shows 7:29
